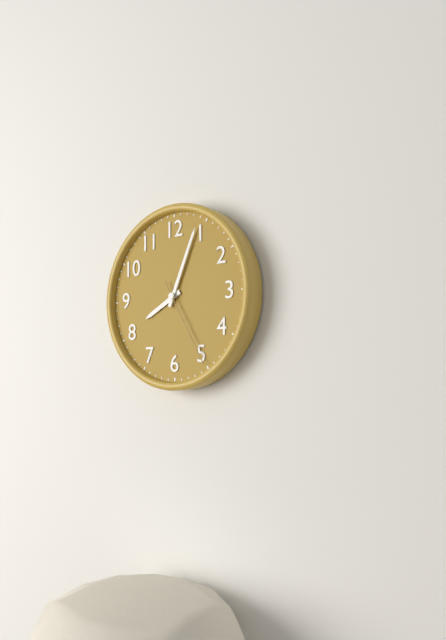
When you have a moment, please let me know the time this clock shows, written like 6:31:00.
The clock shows 8:04:25
